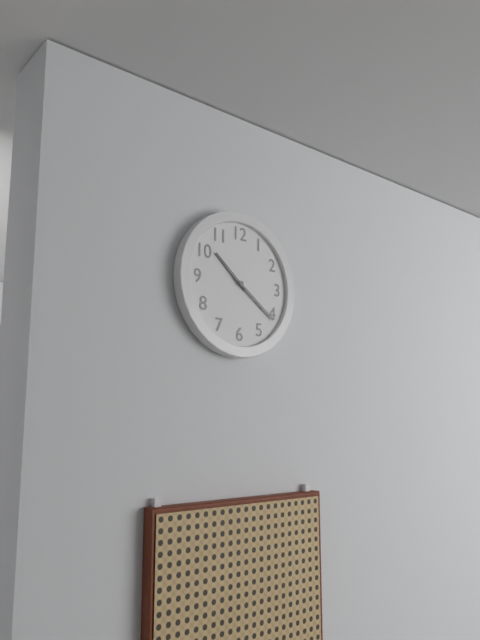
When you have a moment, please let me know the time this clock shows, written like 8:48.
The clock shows 10:21
